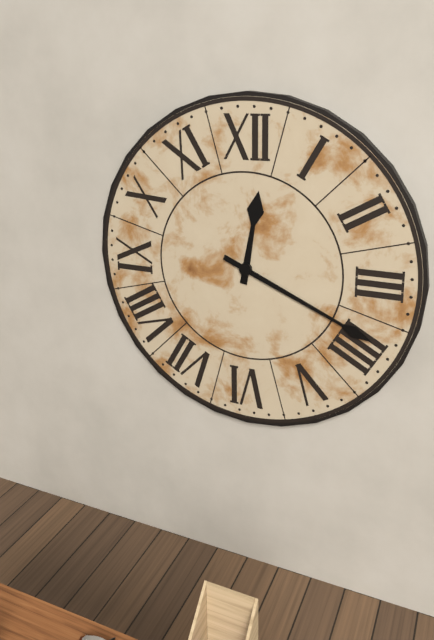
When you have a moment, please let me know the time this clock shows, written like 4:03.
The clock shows 12:19
